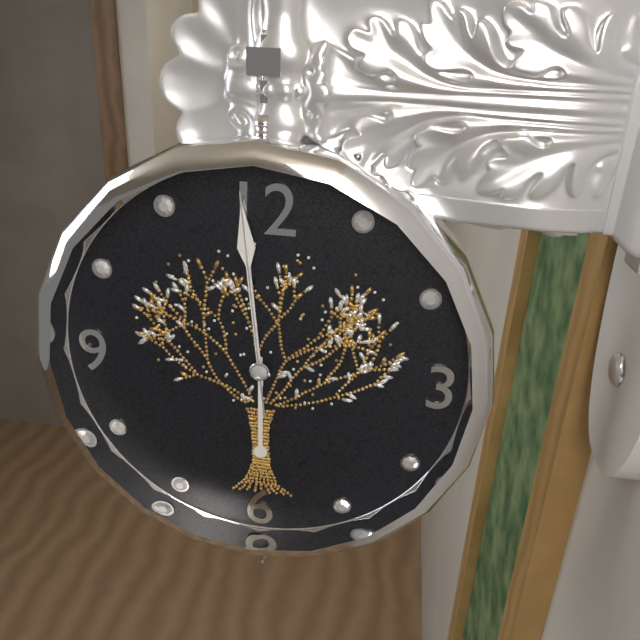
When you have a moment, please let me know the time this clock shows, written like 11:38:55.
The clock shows 5:59:59
